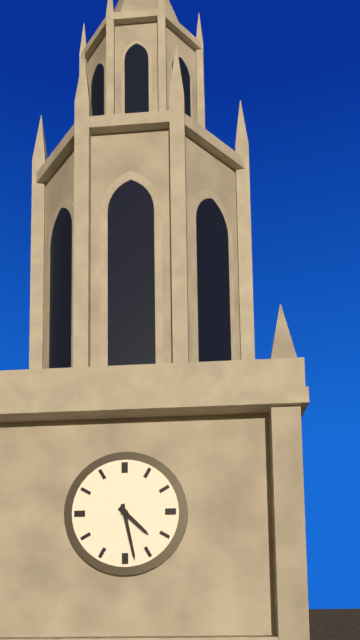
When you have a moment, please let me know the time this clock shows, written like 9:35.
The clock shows 4:28
